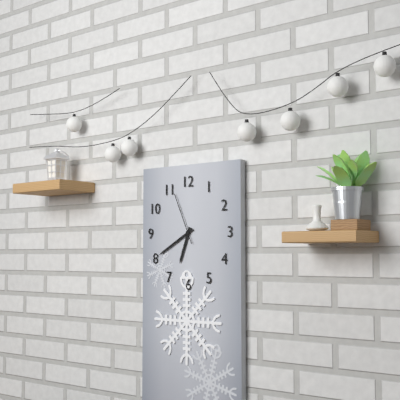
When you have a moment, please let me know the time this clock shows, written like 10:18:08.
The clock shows 6:40:56
